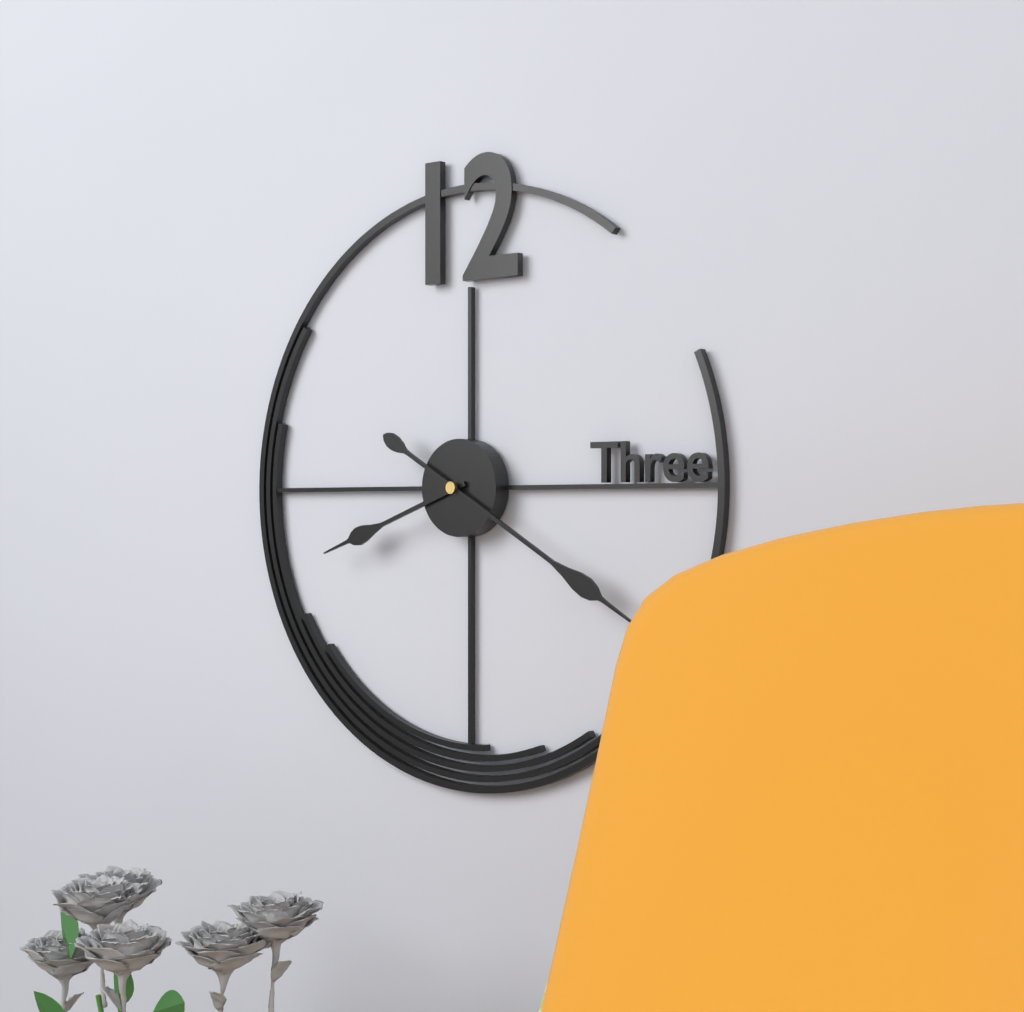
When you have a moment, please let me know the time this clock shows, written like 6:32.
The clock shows 8:20
